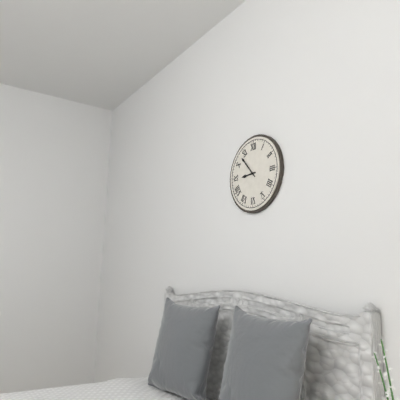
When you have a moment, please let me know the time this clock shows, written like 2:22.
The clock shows 8:53
